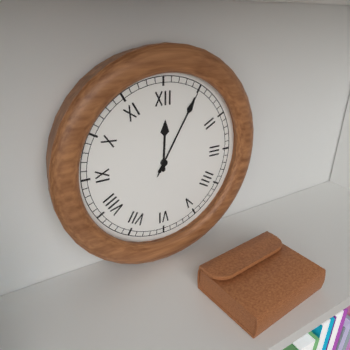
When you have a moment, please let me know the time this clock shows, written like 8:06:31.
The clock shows 12:05:05
